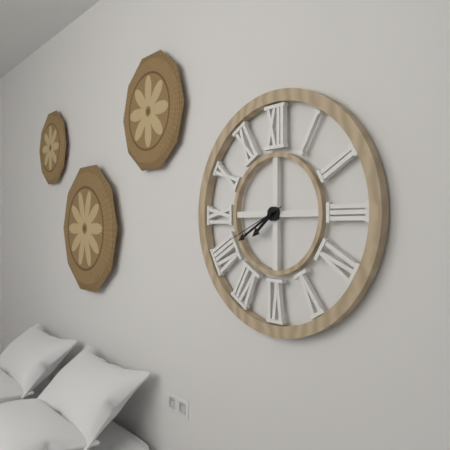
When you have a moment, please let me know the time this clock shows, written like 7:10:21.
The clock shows 7:40:41
